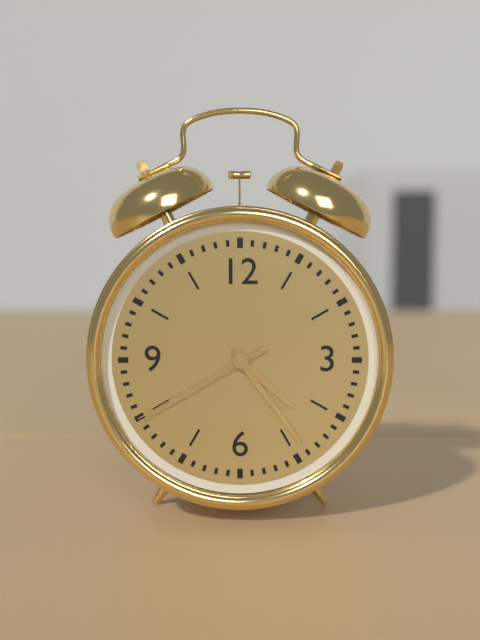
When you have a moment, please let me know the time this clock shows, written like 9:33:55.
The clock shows 4:24:40
